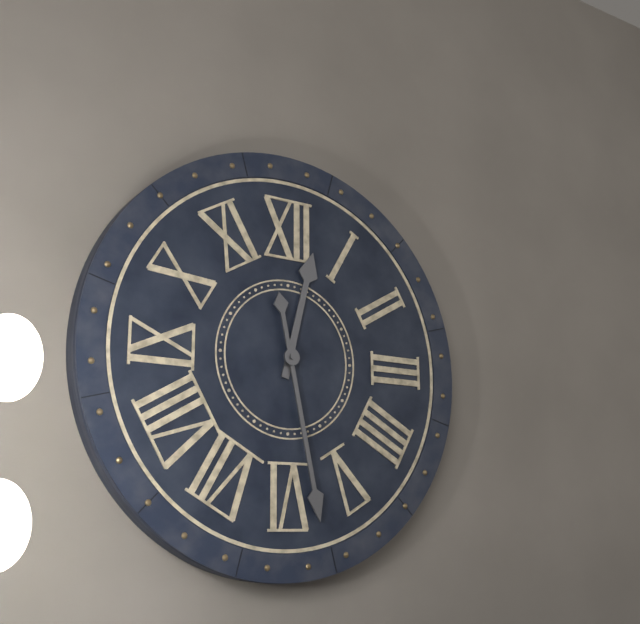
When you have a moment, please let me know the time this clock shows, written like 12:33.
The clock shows 12:28
